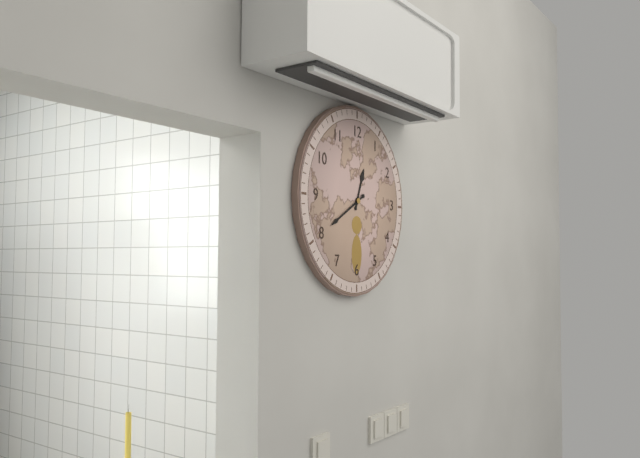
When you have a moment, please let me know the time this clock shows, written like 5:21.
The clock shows 12:40
